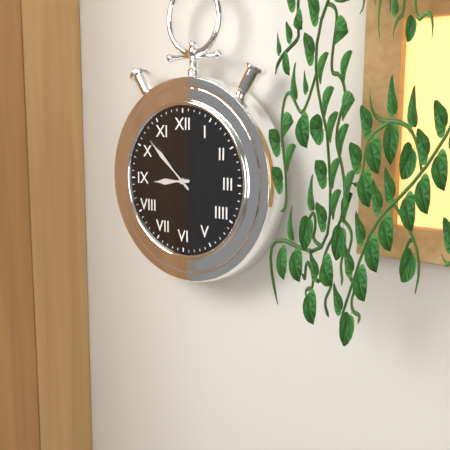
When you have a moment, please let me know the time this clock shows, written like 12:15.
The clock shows 8:52
